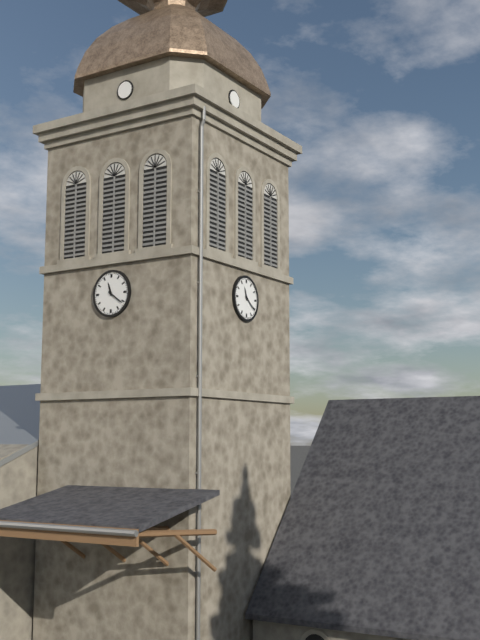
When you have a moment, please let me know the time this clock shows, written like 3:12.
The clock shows 11:21
